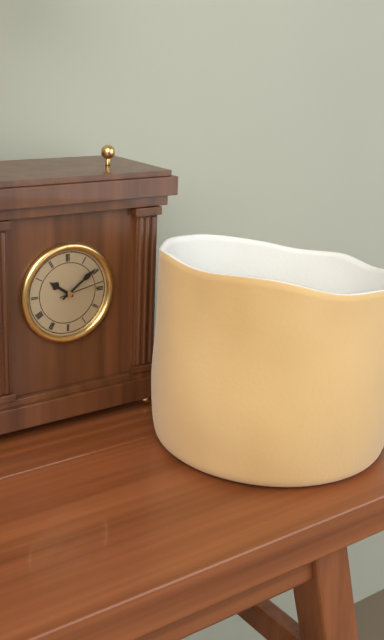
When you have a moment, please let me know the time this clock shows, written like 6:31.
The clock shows 10:09
